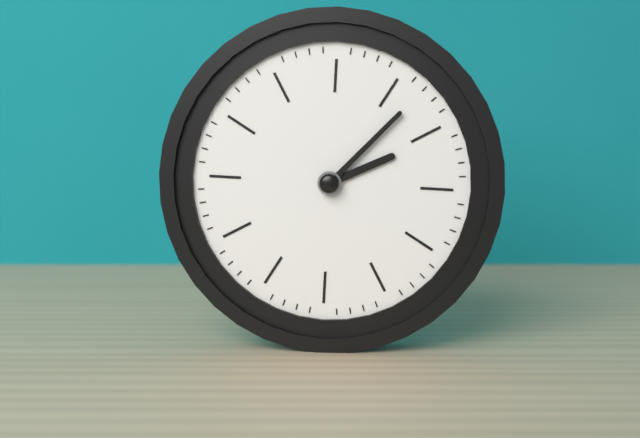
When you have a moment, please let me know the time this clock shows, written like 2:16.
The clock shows 2:07
